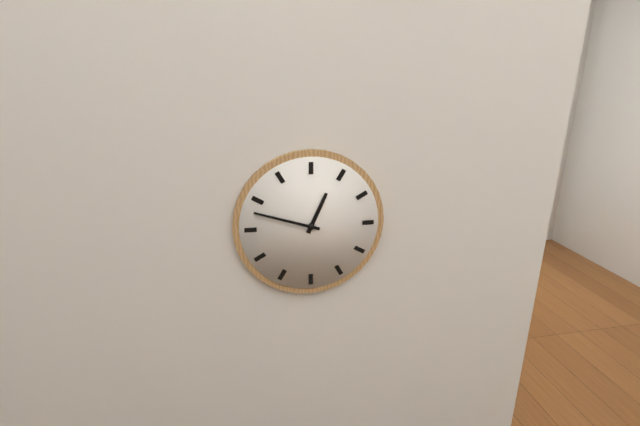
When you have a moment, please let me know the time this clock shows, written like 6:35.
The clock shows 12:48
